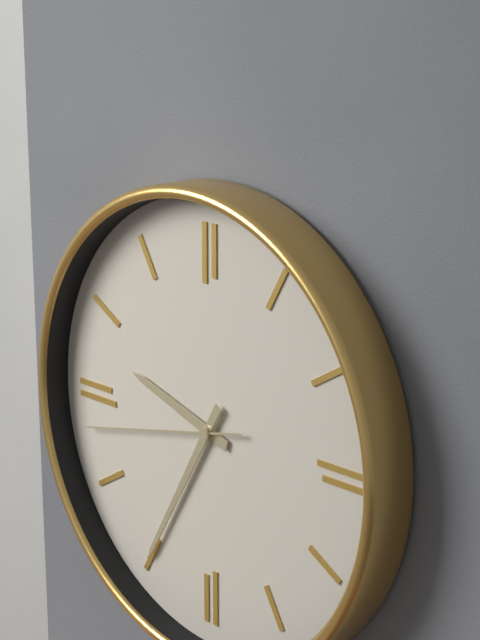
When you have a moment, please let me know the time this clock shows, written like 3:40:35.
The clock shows 9:35:43
